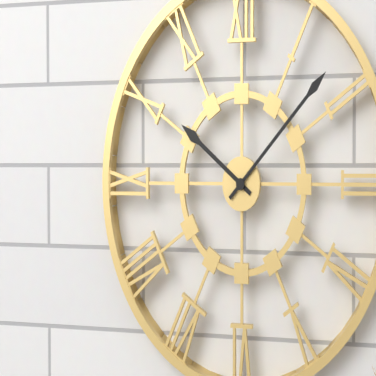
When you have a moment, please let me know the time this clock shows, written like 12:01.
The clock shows 10:08
